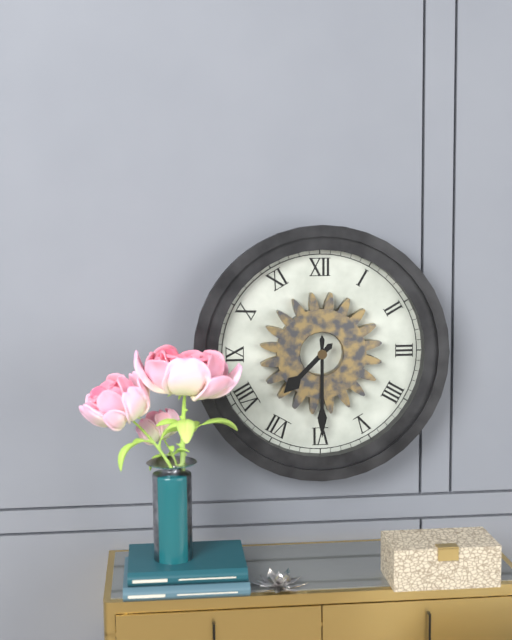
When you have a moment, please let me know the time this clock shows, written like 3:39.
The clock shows 7:30
